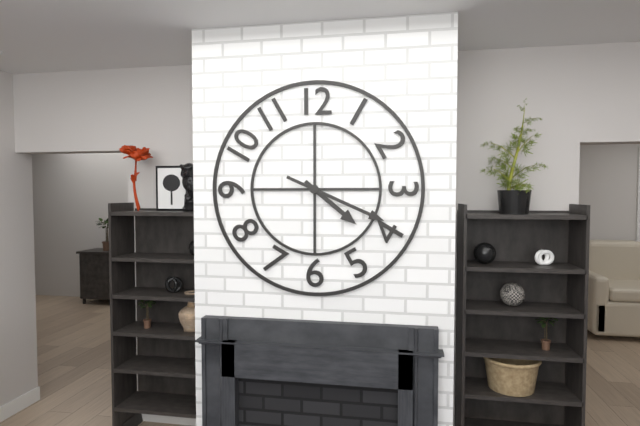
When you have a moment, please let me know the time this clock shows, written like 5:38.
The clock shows 4:19
